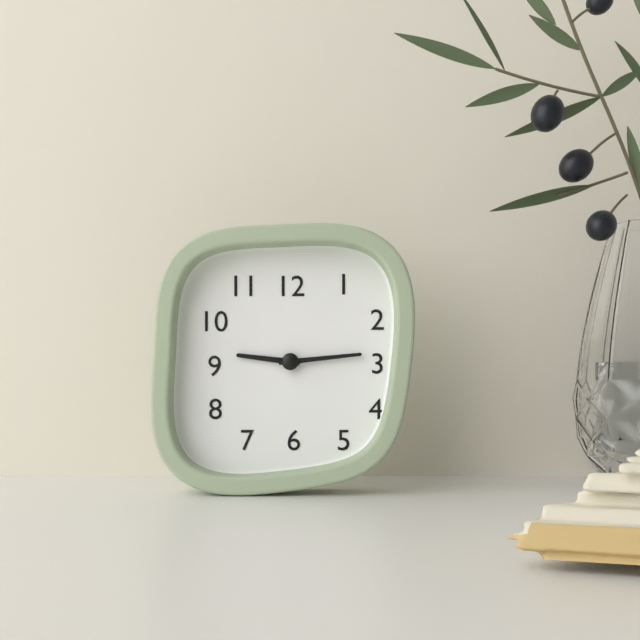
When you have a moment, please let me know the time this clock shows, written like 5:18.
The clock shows 9:14
